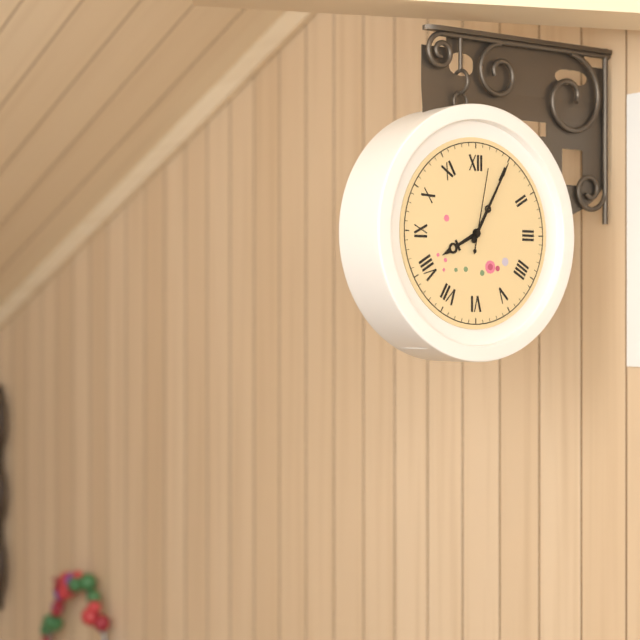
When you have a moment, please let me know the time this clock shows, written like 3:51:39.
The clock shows 8:05:02
